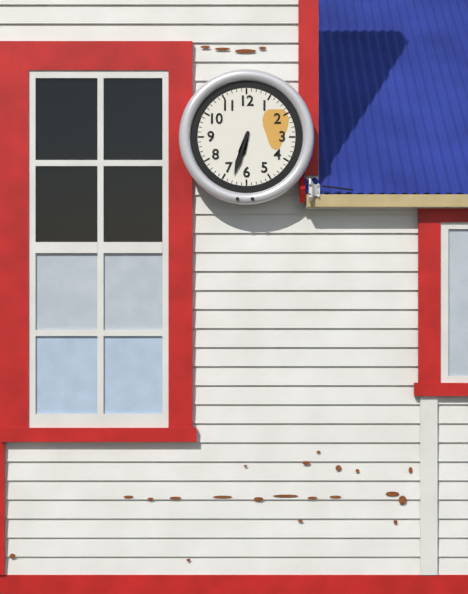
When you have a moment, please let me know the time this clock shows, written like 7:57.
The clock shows 6:33
